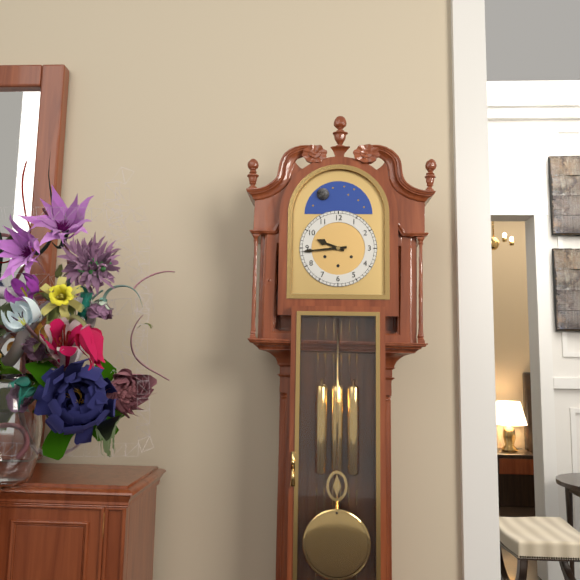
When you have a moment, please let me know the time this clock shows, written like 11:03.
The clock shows 9:44
